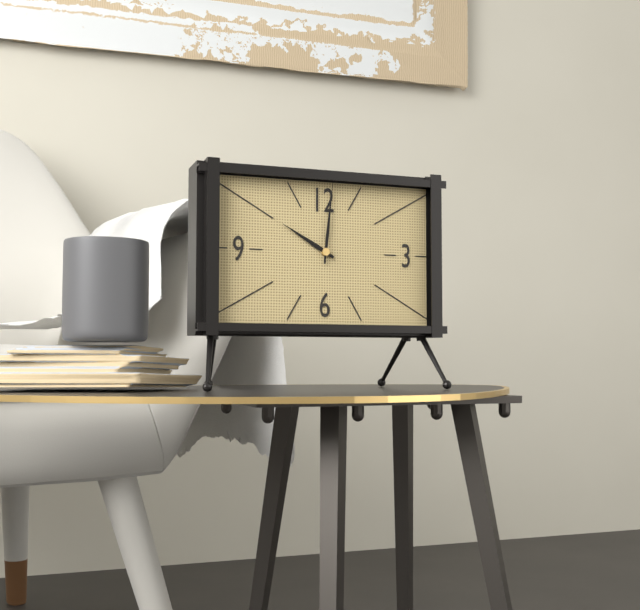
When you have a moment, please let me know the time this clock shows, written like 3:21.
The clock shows 10:01
